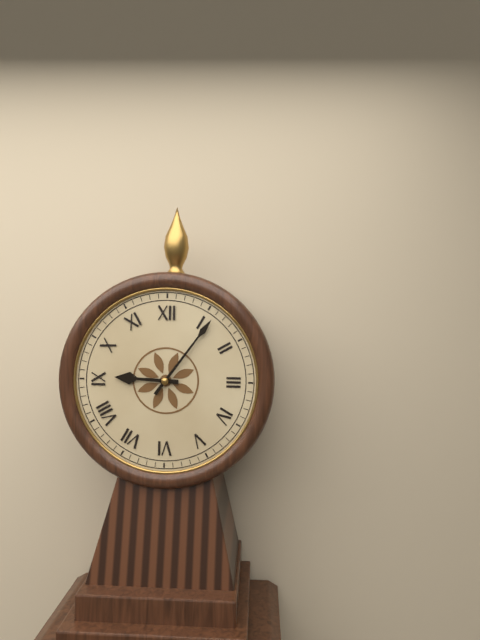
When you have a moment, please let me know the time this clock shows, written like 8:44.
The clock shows 9:06
